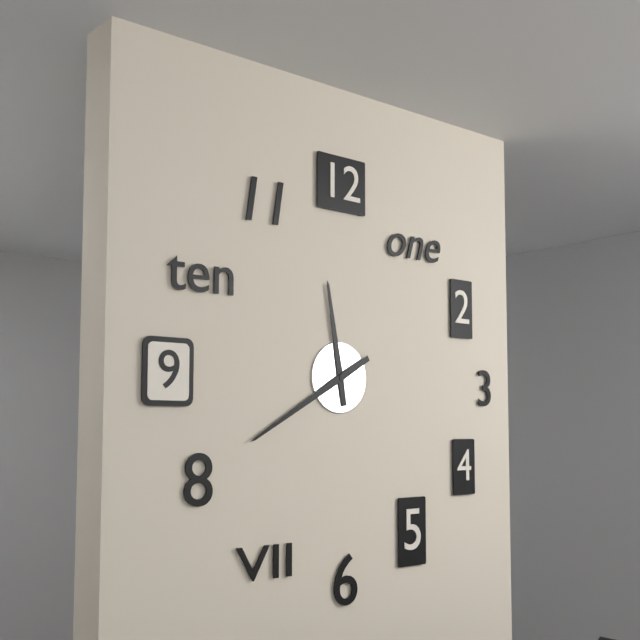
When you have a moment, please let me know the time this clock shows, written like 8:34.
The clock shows 11:40
